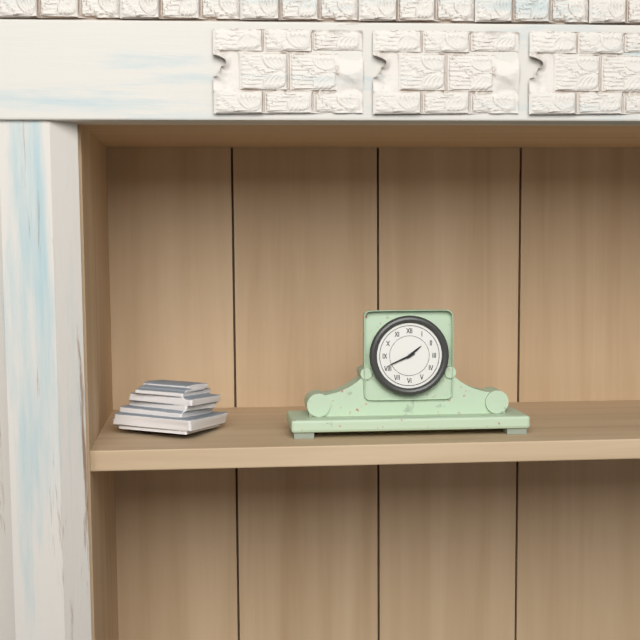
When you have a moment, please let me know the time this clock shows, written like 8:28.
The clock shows 1:41
